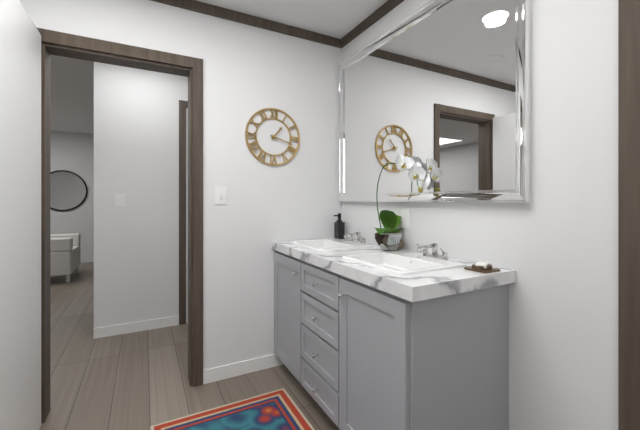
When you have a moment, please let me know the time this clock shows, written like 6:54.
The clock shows 1:18
